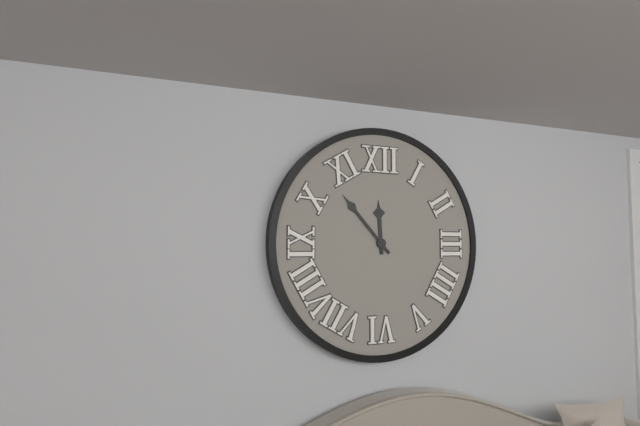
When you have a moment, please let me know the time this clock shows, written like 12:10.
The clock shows 11:53
